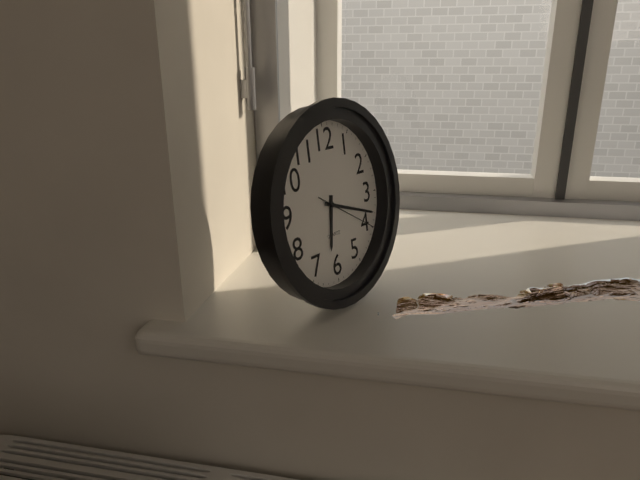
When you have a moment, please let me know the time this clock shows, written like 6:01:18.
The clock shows 6:18:20
